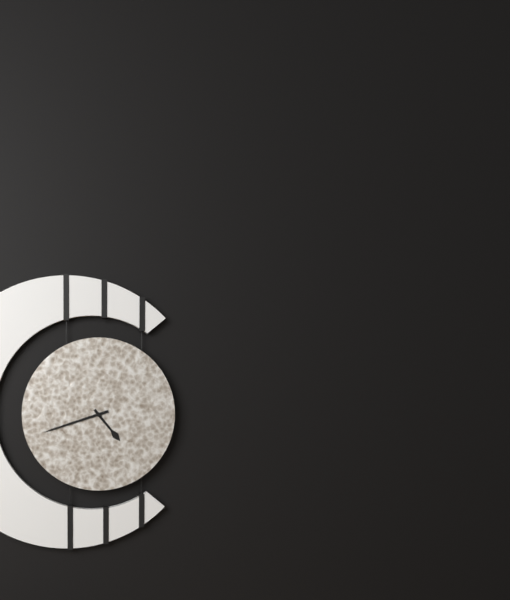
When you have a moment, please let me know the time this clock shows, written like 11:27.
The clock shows 4:42
